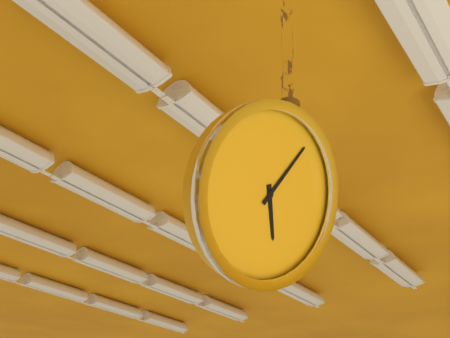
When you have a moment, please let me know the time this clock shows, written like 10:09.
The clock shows 5:04
